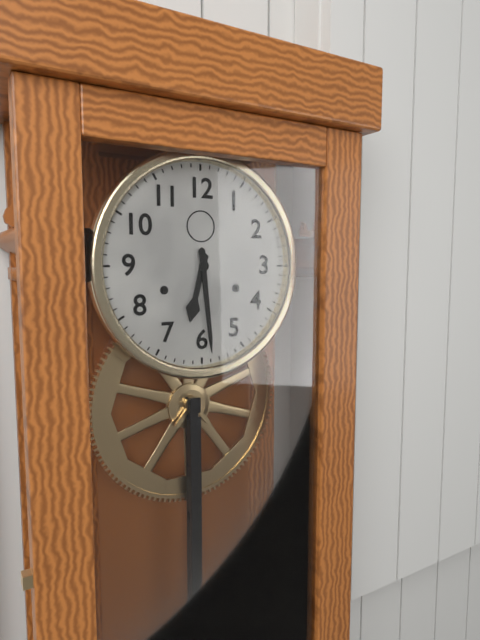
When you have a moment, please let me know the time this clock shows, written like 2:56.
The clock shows 6:29
